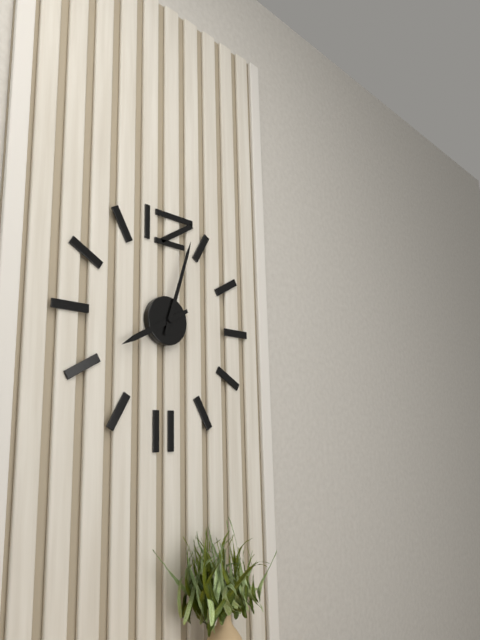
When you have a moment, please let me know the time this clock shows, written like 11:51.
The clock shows 8:03
